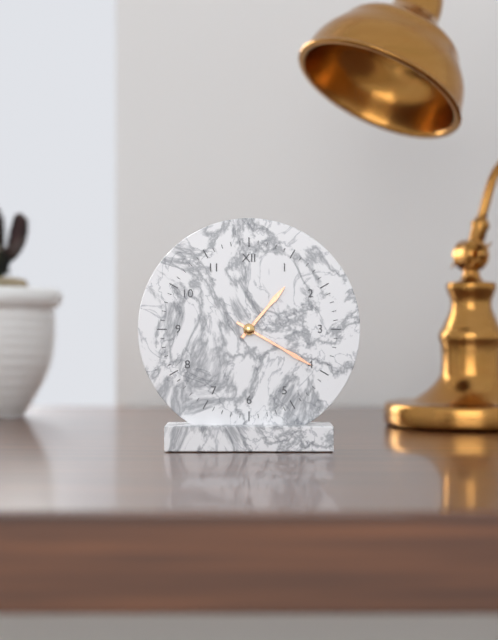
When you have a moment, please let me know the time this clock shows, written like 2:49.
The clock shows 1:20
